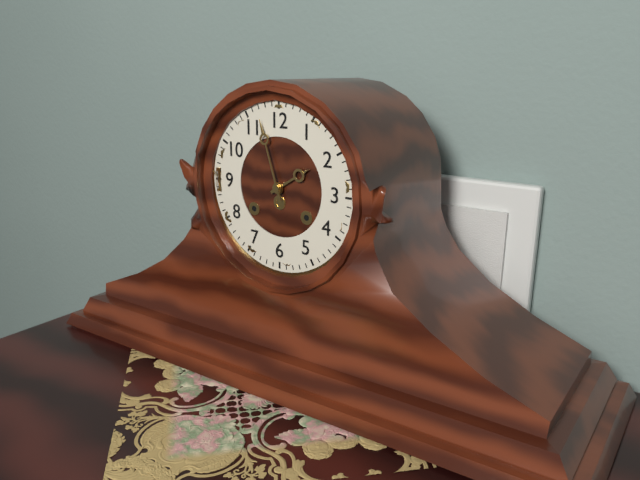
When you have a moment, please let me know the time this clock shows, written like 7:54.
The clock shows 1:57
